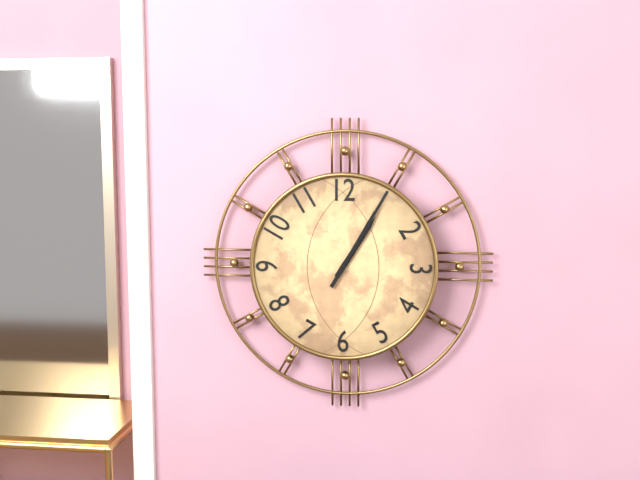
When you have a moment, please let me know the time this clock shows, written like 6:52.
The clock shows 1:05
